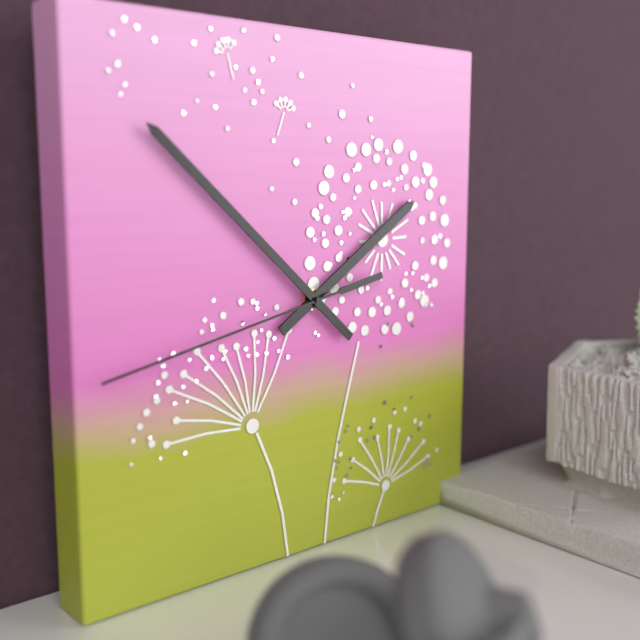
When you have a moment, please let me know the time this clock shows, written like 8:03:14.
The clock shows 1:52:43
